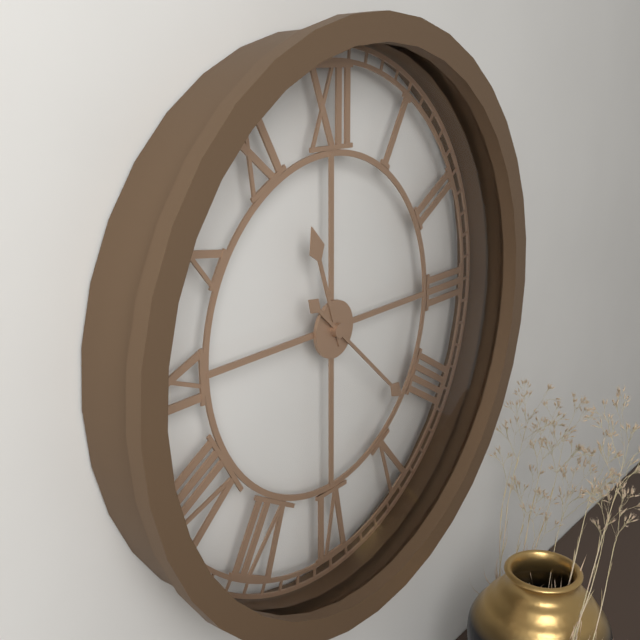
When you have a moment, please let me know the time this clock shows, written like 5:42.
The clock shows 11:22
